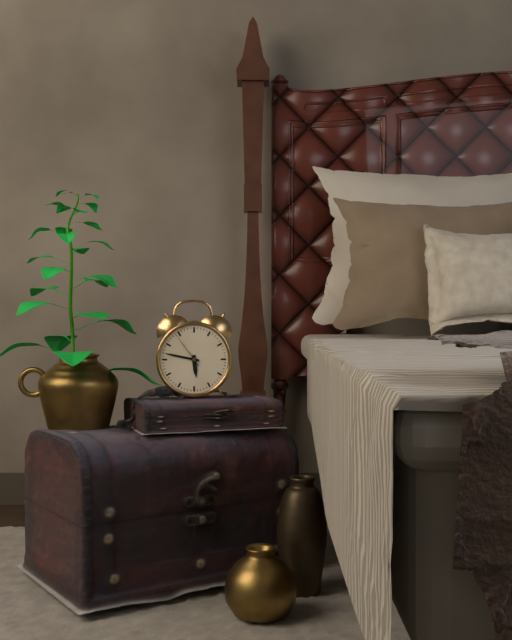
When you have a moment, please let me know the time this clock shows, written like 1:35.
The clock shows 5:47
